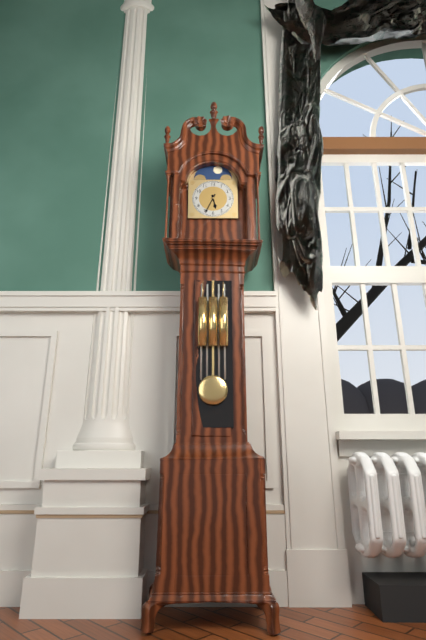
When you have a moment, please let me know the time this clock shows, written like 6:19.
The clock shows 5:34
